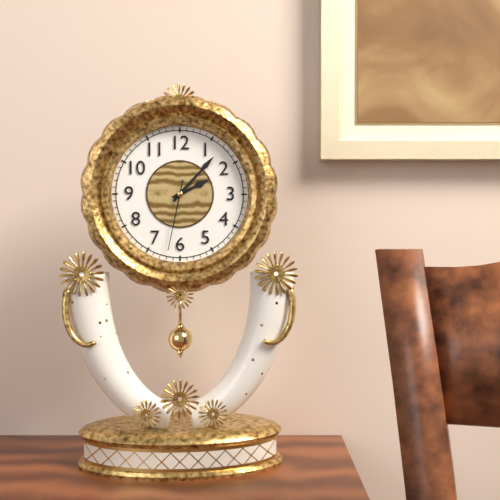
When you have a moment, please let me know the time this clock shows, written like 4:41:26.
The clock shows 2:07:32
